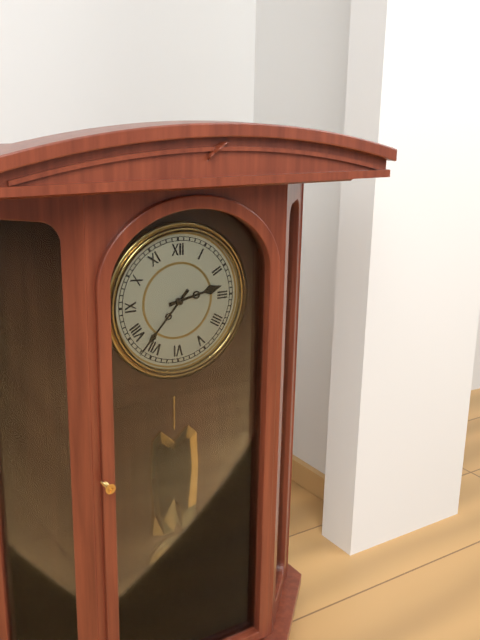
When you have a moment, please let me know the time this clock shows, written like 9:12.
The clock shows 2:37
